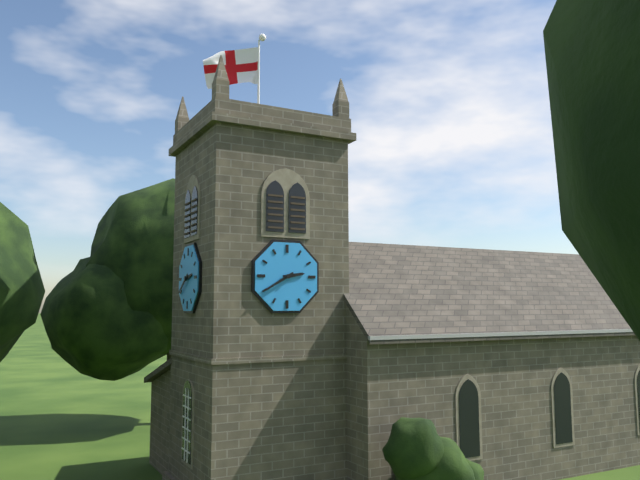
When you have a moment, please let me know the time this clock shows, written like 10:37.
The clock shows 2:40
